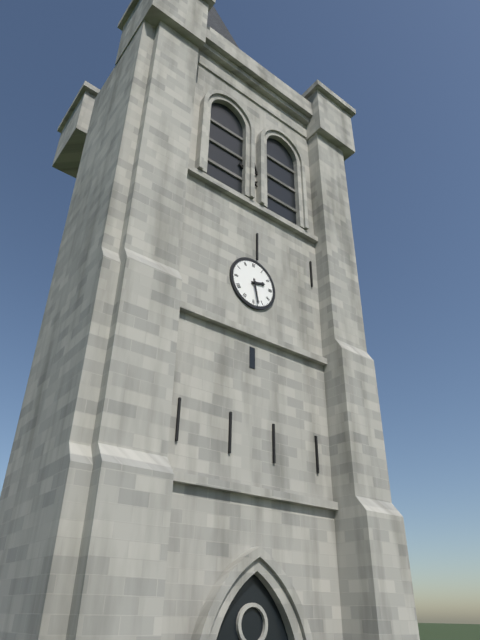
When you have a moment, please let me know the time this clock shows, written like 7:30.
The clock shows 2:28
